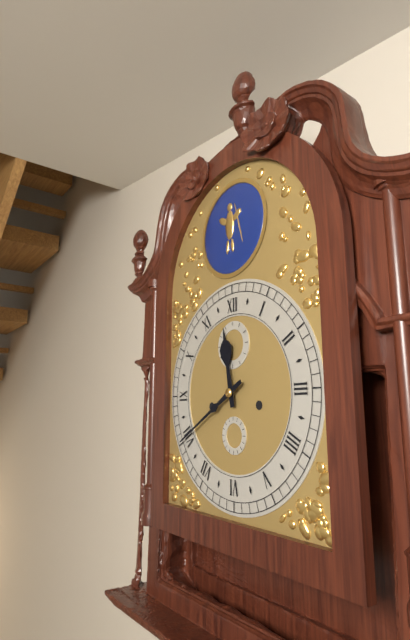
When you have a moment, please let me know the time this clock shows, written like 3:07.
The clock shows 11:40
